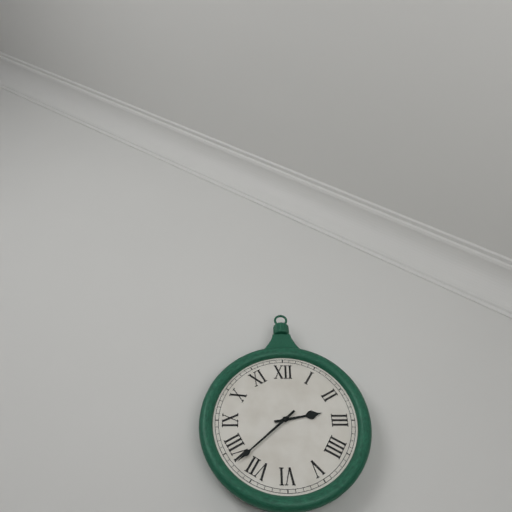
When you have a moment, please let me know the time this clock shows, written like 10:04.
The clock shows 2:38
